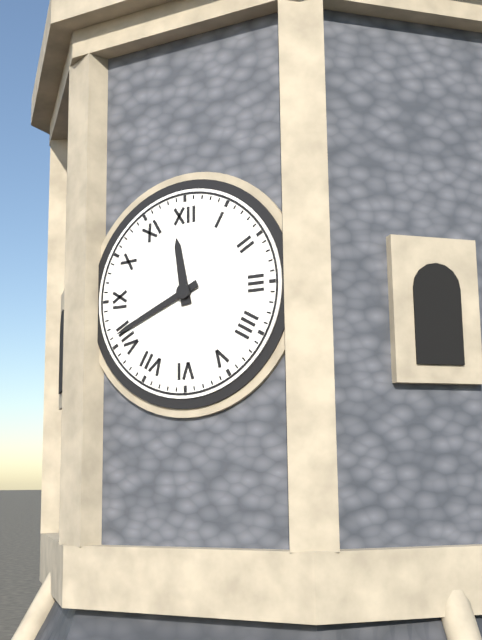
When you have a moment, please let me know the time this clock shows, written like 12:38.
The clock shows 11:41
